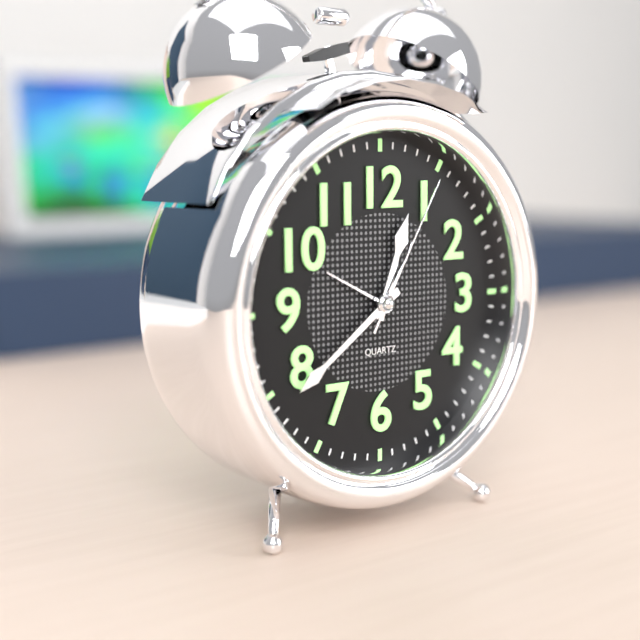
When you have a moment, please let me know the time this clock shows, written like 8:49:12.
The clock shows 12:39:05
